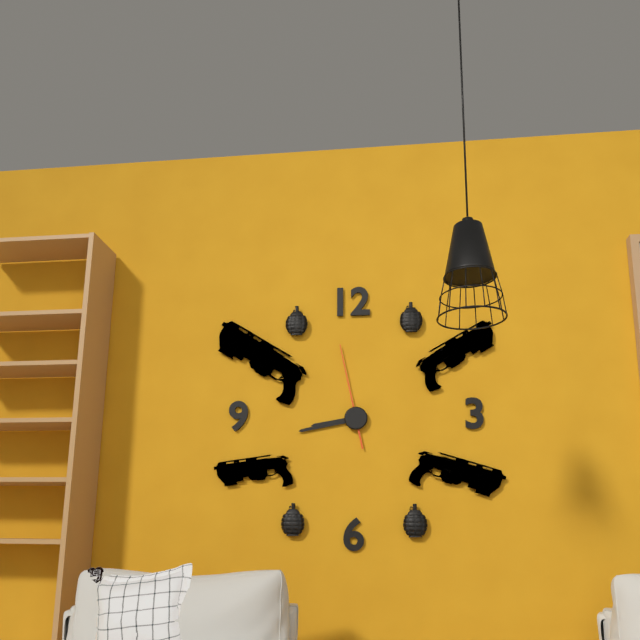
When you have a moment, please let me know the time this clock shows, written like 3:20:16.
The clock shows 8:43:58
